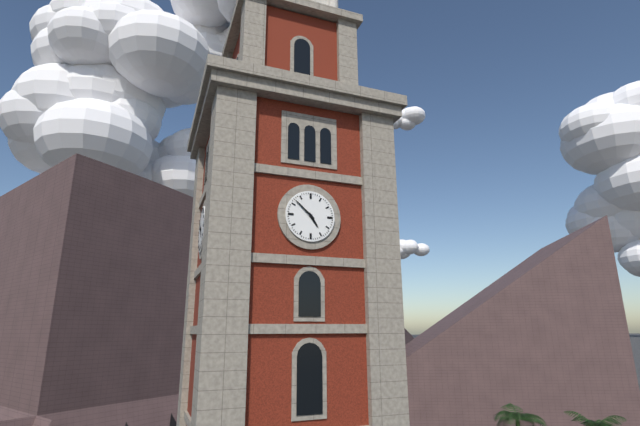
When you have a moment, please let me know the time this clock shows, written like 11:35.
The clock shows 4:52
